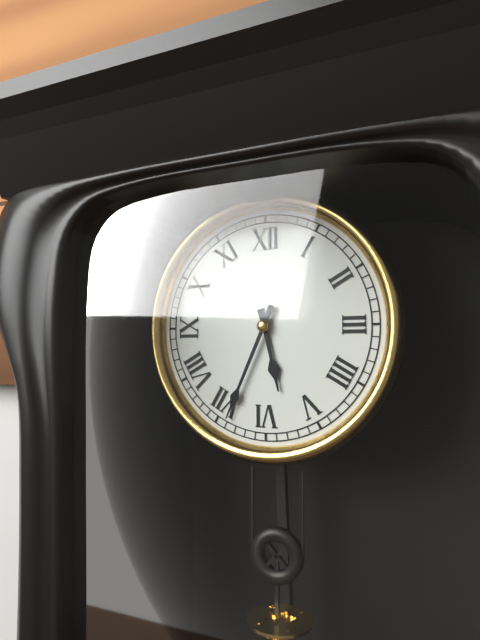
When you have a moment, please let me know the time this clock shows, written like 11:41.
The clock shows 5:34
